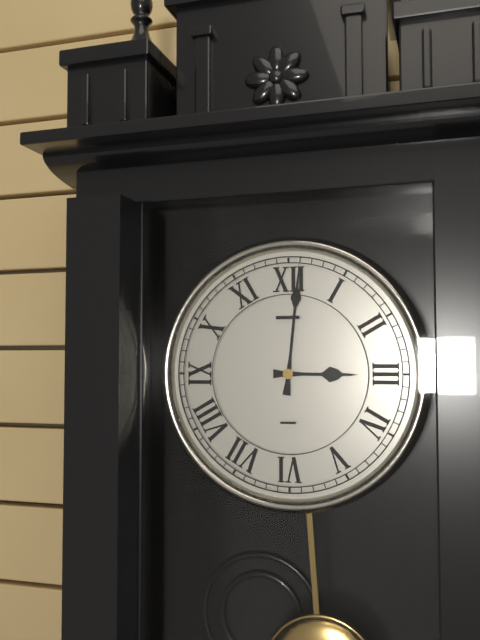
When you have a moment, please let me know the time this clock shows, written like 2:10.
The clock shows 3:01
